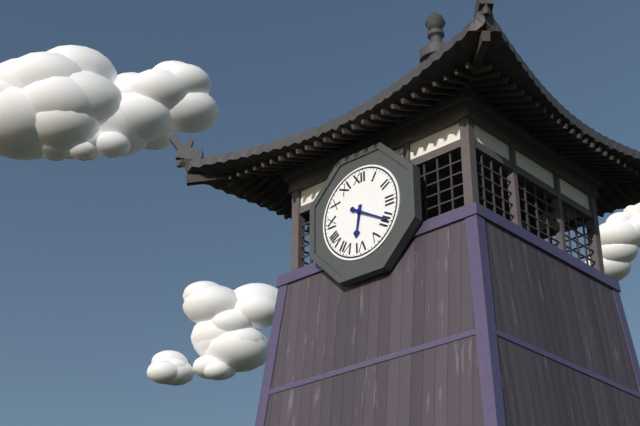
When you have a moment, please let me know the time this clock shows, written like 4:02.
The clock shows 6:20
